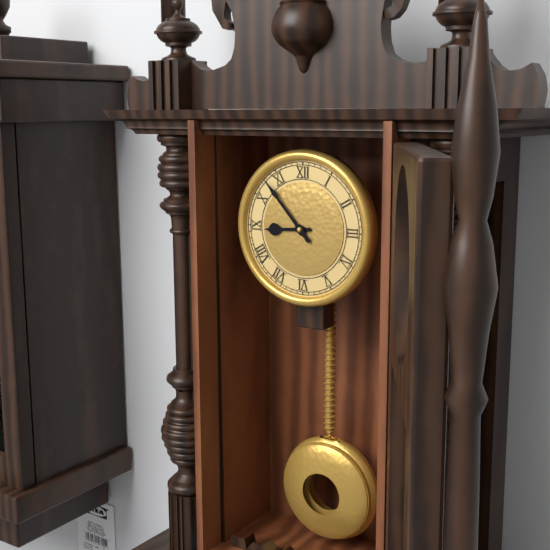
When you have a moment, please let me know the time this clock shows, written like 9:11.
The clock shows 8:53
